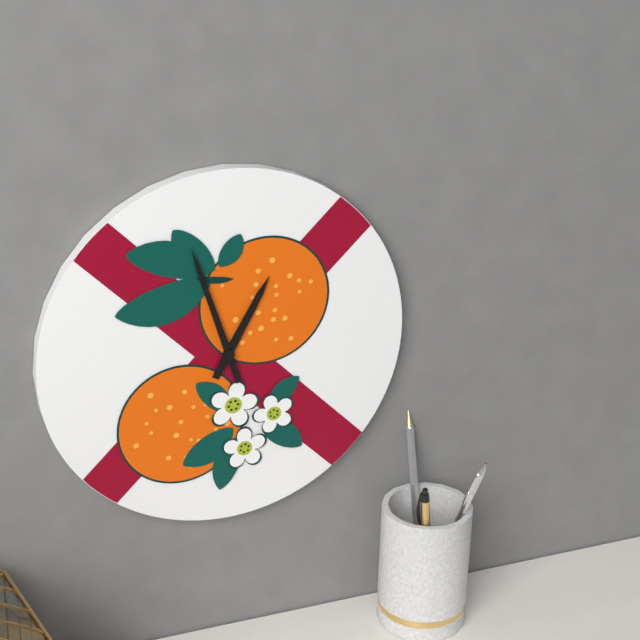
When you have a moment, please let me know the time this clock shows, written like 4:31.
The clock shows 12:57
